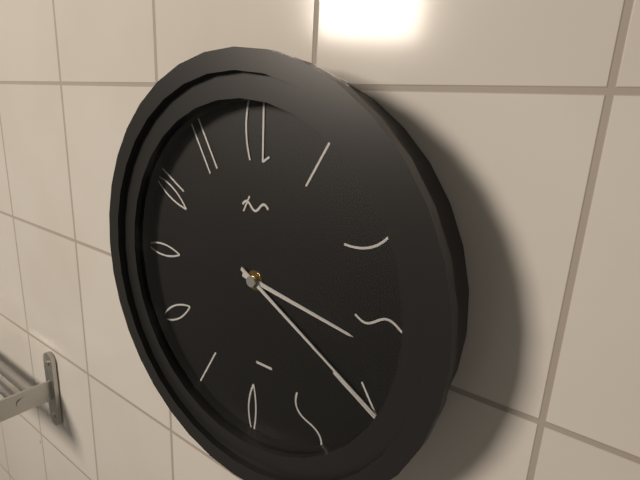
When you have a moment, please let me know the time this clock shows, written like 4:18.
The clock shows 3:20
